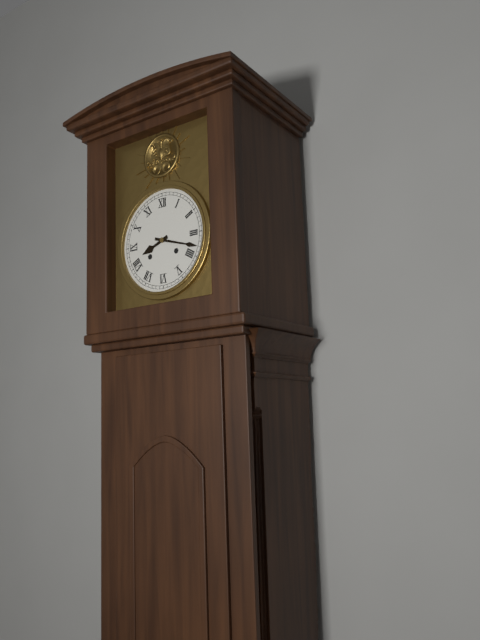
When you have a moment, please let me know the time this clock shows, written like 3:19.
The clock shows 8:18
